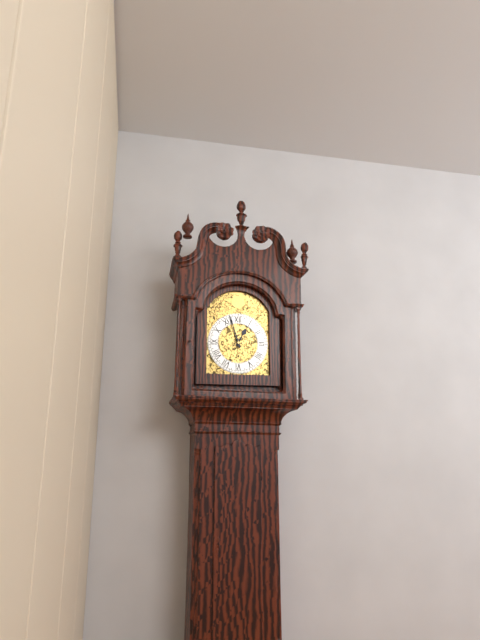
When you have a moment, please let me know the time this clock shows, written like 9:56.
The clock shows 12:57
